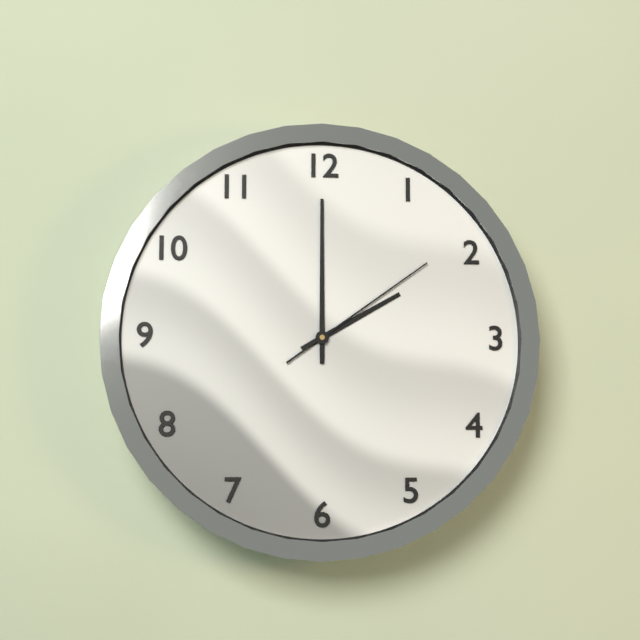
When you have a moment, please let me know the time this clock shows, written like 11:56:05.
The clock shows 2:00:09
